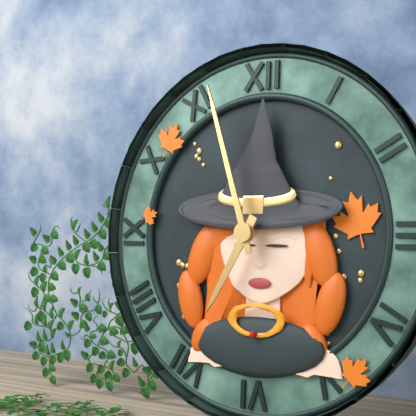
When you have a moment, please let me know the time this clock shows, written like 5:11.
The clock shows 6:57
